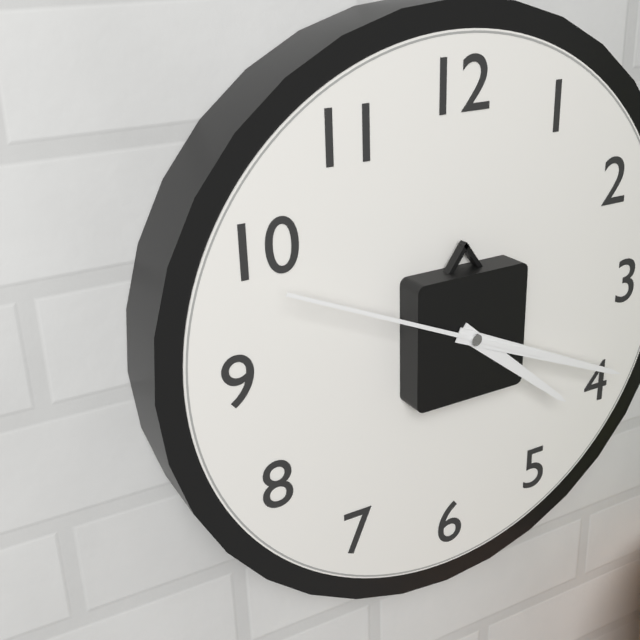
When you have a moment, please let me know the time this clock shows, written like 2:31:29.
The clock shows 4:19:49
